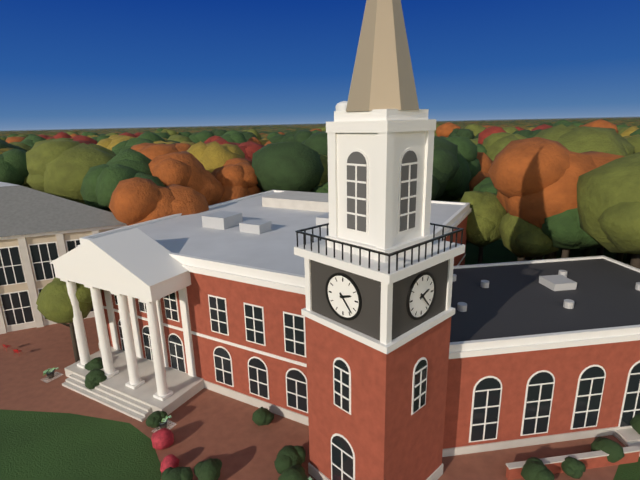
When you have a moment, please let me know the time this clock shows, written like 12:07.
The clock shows 2:23
